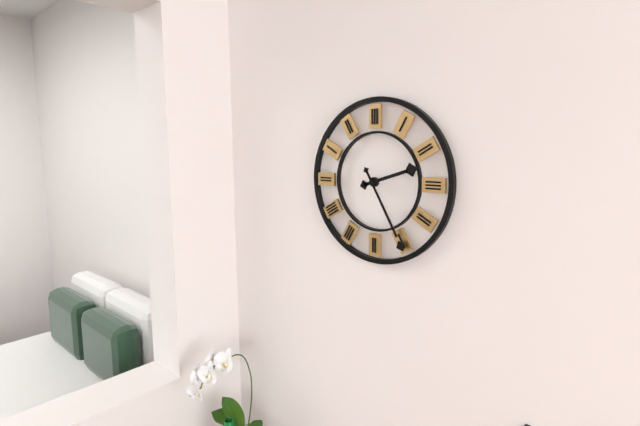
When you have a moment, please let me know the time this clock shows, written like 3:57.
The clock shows 2:25
